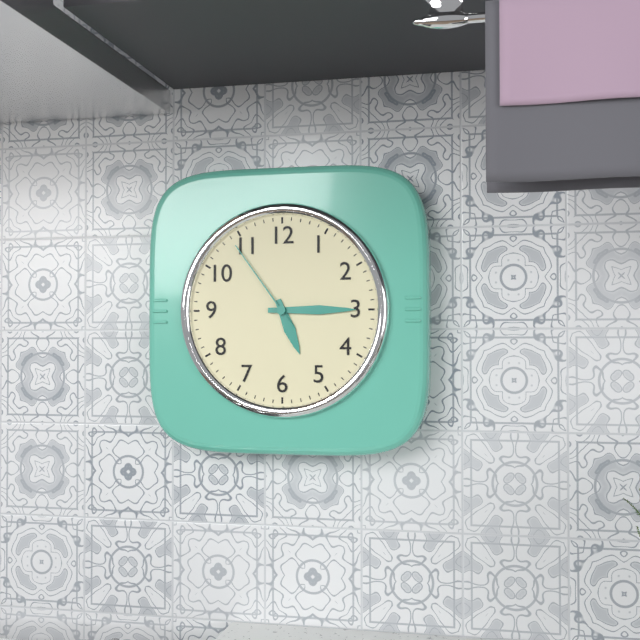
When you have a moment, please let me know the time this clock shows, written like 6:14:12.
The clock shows 5:15:54
